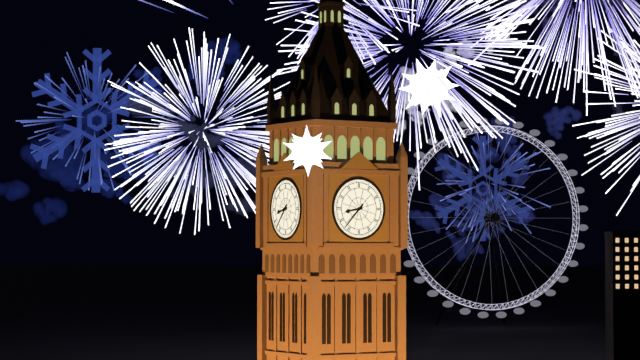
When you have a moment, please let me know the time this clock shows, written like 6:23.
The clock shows 8:37
